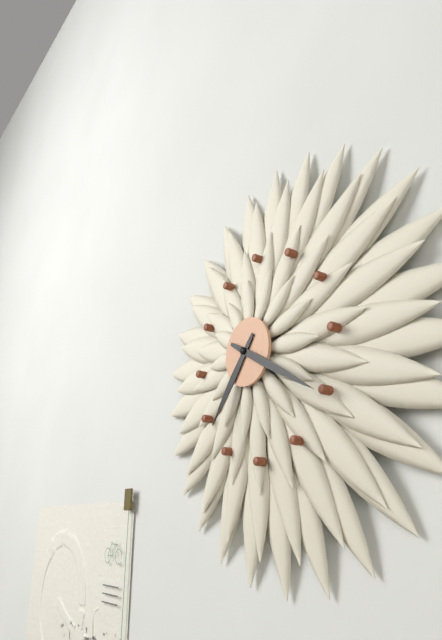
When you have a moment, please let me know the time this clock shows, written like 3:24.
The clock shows 7:20
